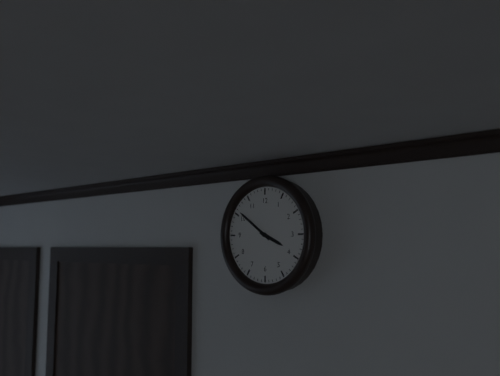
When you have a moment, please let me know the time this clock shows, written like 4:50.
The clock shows 3:51
